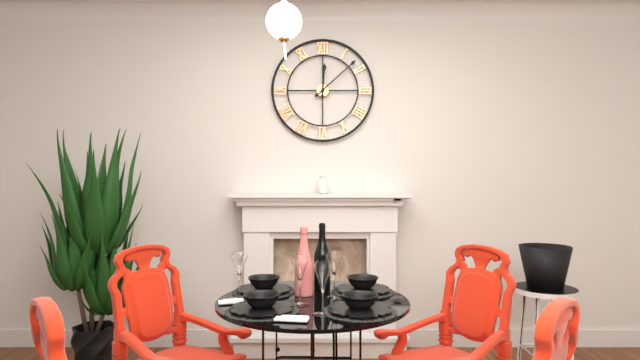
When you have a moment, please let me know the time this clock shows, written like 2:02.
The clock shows 12:08
